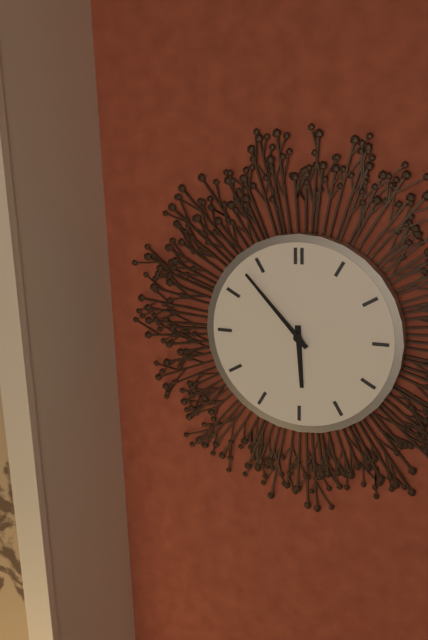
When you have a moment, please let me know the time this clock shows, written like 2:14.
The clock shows 5:53
